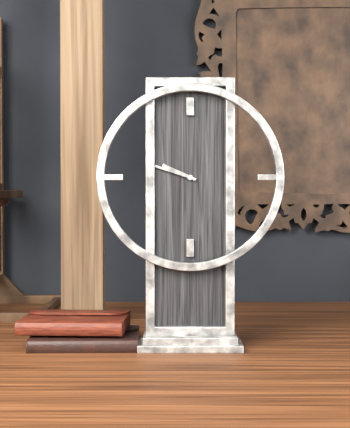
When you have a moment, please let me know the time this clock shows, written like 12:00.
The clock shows 9:48
